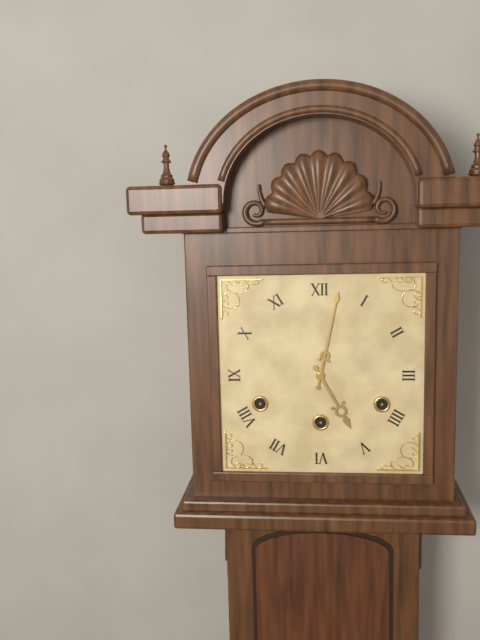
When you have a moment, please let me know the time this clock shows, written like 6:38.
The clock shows 5:02
